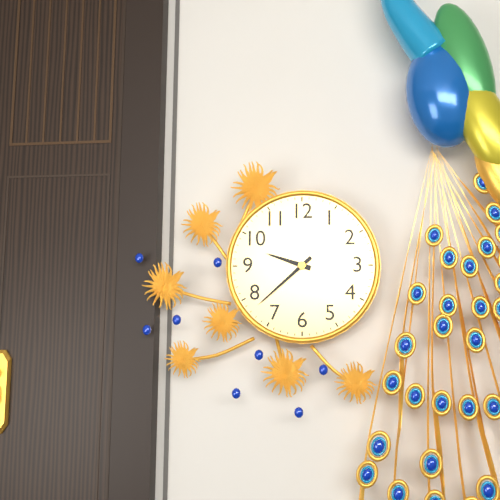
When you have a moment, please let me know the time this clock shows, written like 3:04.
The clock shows 9:38
